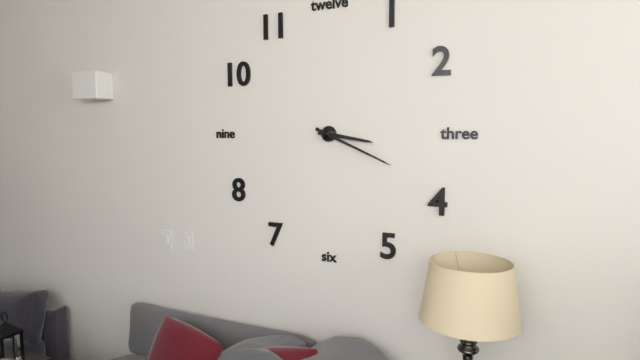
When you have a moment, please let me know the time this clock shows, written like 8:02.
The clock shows 3:19
